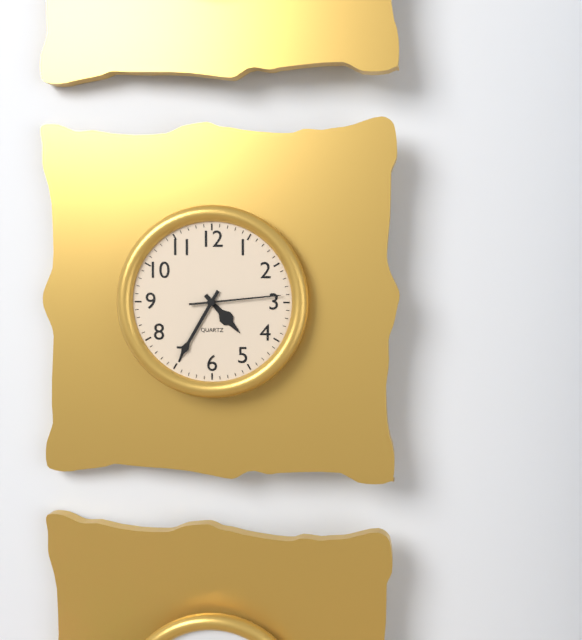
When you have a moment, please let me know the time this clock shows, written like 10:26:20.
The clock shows 4:35:14
